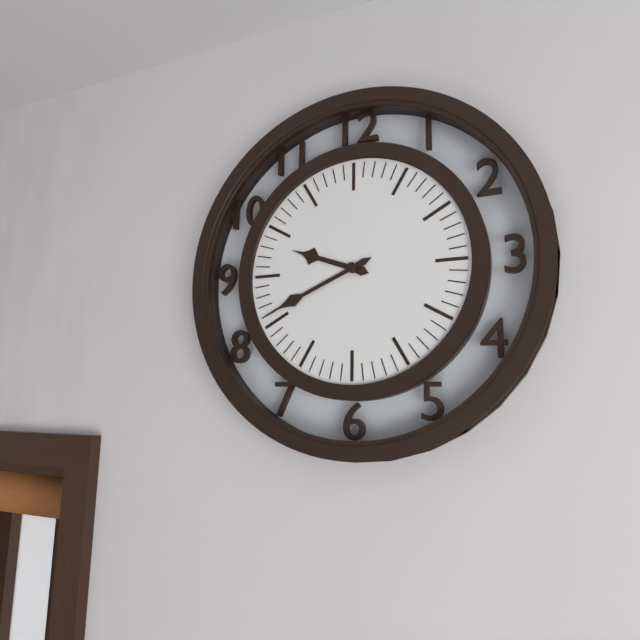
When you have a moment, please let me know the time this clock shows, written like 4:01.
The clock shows 9:41
